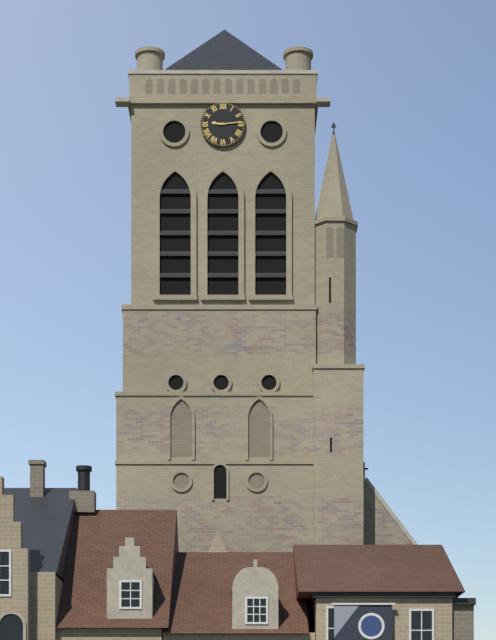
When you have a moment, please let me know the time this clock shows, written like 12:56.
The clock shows 9:14
